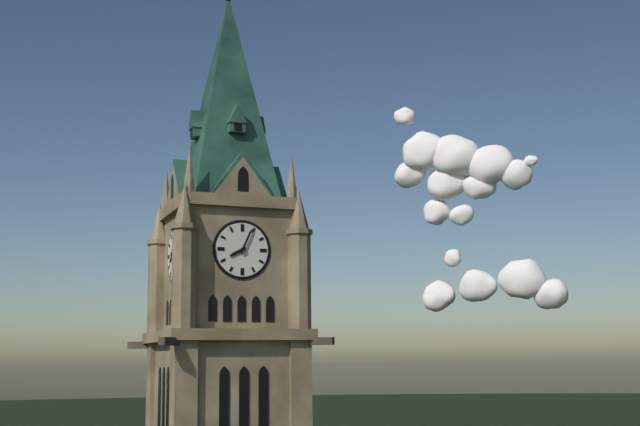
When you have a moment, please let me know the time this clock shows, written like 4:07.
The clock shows 8:04
